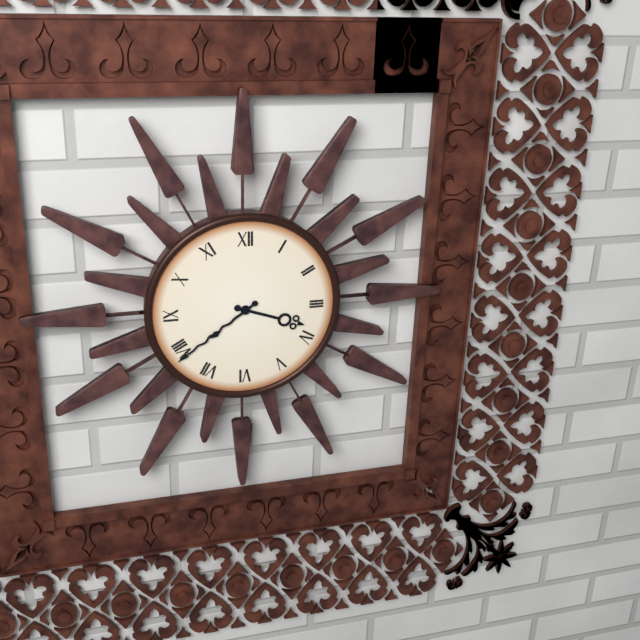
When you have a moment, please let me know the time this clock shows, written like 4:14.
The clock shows 3:39
